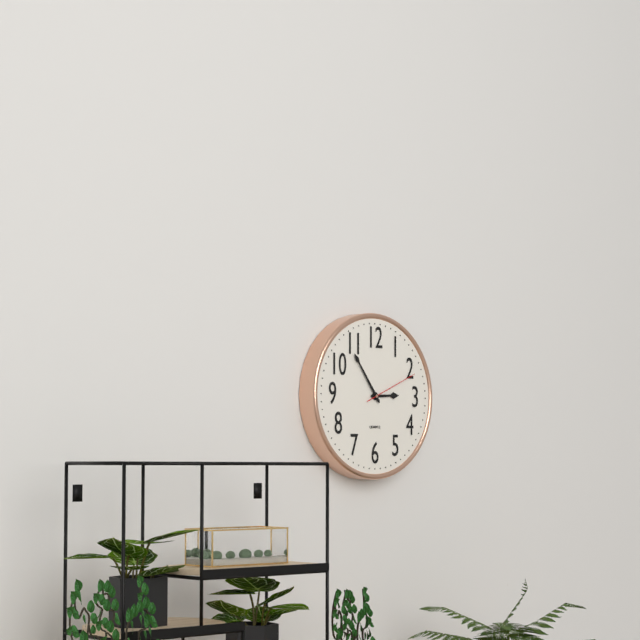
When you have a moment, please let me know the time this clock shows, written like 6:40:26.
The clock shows 2:54:11
